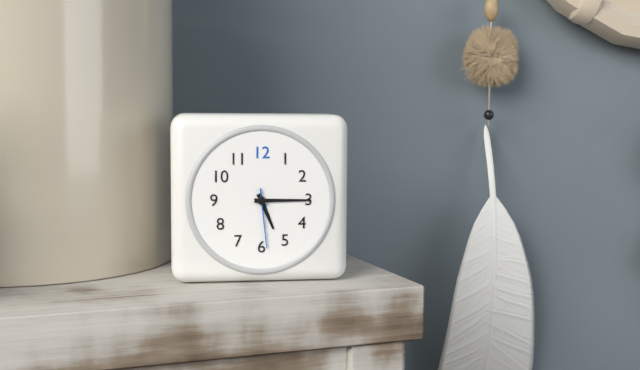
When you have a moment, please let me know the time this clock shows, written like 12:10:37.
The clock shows 5:15:29
